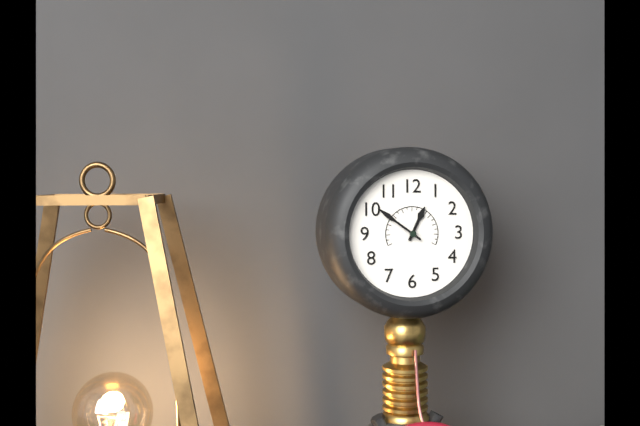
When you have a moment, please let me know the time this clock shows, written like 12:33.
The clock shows 12:51
